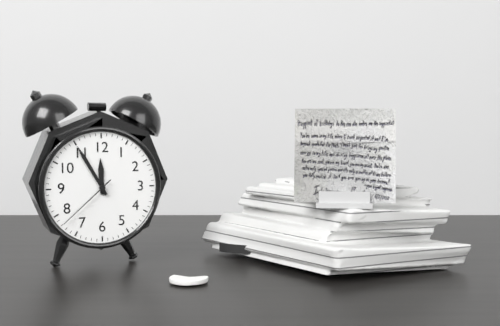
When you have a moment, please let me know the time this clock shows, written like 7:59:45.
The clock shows 11:55:38
